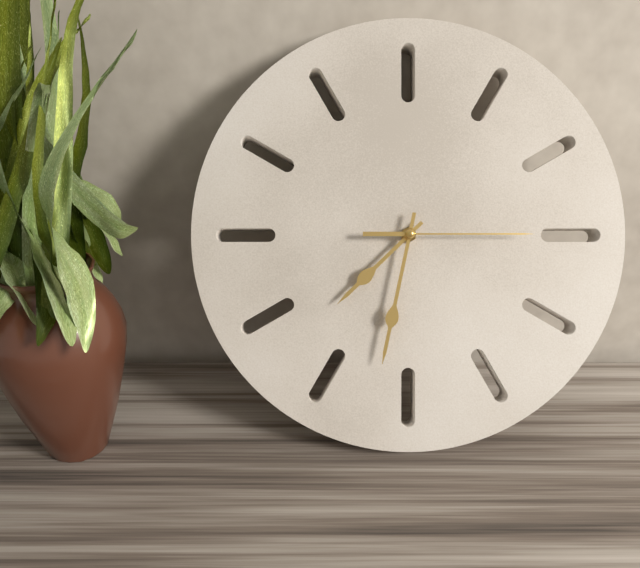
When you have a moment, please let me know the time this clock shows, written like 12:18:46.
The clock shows 7:32:15
